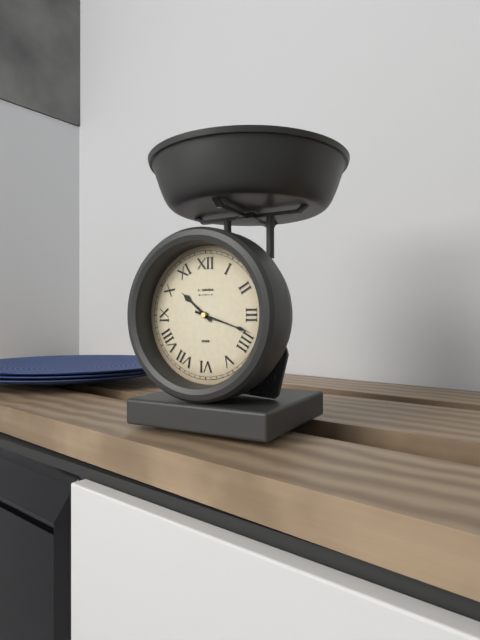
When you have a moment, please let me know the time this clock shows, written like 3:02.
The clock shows 10:18
